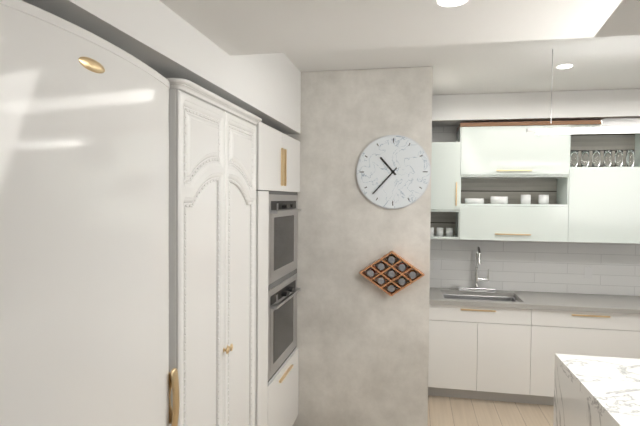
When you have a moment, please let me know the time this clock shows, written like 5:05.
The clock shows 10:37
